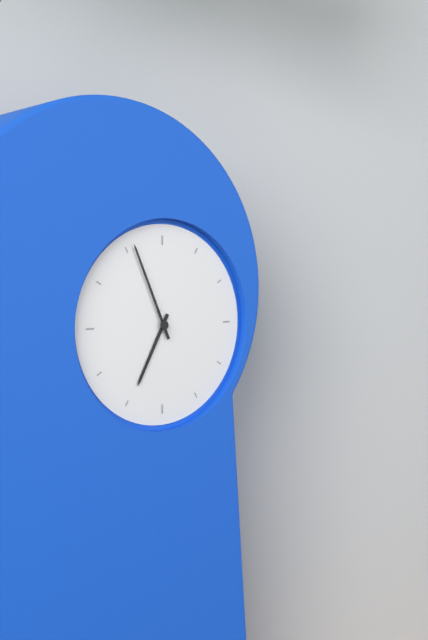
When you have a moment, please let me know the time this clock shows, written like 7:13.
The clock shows 6:56
